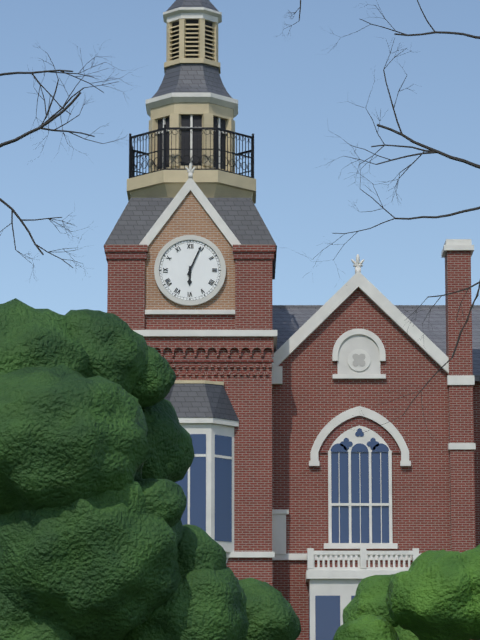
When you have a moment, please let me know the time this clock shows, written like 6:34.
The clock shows 6:04
